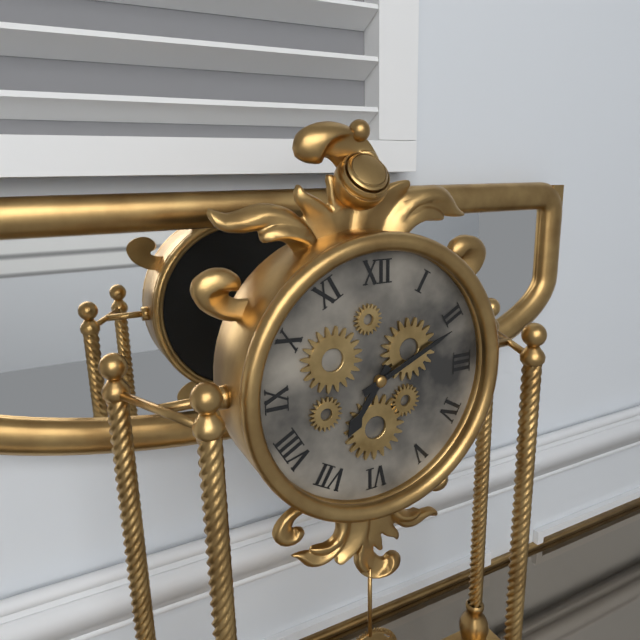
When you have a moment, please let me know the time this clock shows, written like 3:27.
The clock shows 7:11
